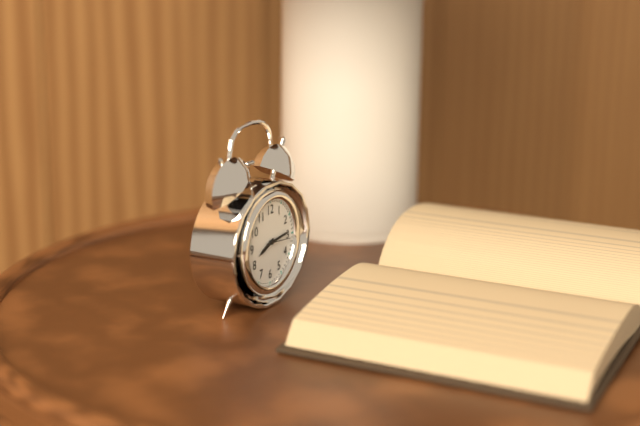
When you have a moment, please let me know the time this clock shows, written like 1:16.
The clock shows 8:14
